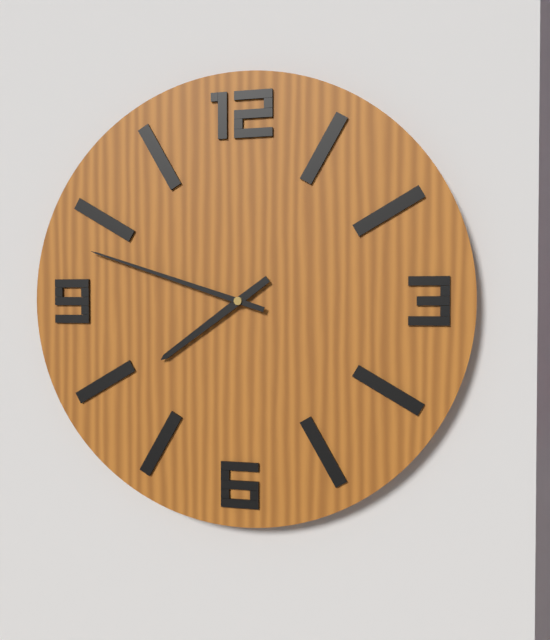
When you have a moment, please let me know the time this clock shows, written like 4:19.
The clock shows 7:48
